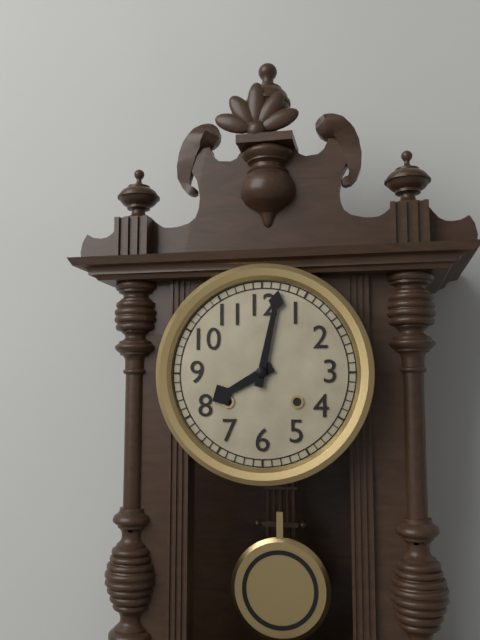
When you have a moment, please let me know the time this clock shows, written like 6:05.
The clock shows 8:02
